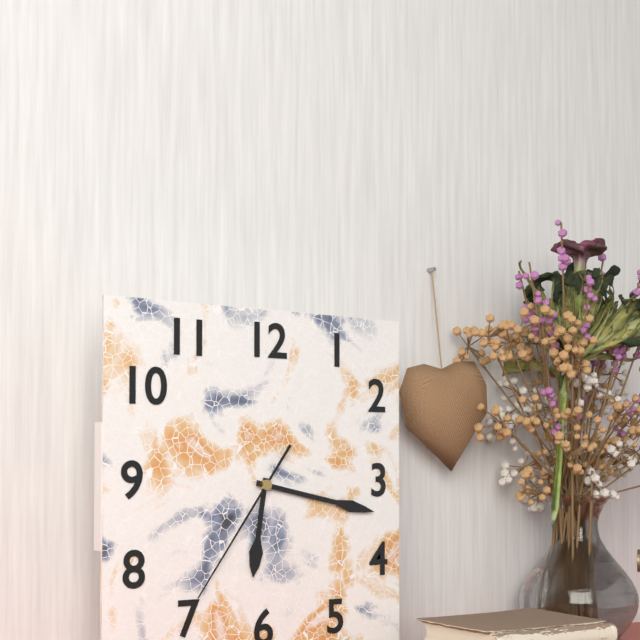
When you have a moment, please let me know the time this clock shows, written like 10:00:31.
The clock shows 6:17:36
